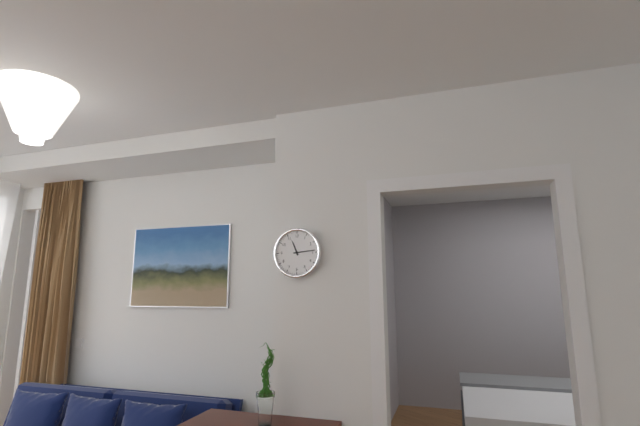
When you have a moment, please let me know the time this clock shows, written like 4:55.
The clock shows 11:14
